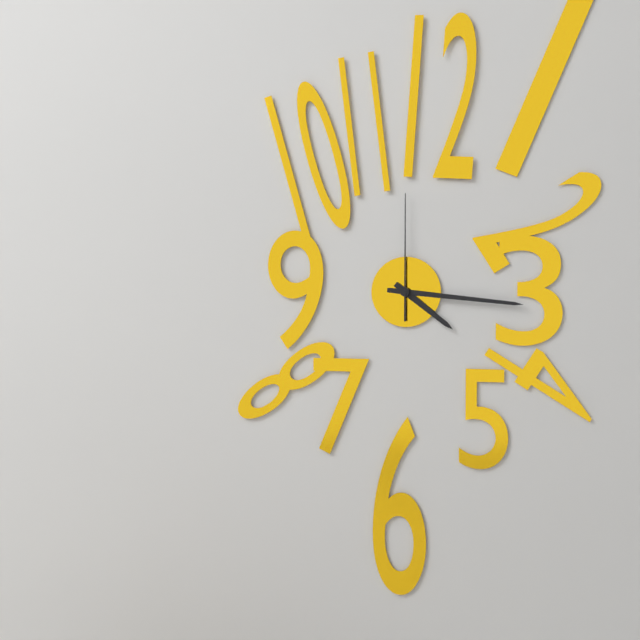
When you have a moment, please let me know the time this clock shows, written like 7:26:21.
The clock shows 4:16:00
